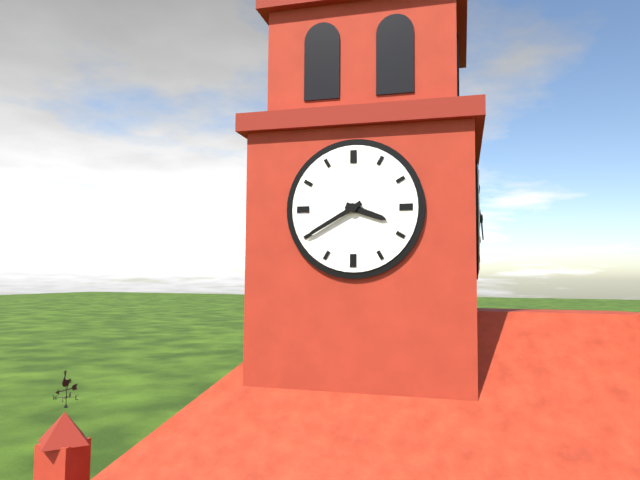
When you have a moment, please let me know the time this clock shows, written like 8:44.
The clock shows 3:40
